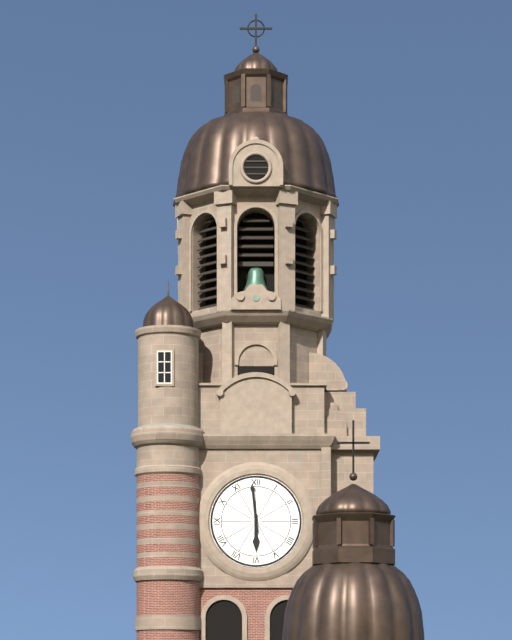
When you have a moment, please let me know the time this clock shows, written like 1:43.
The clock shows 5:59
